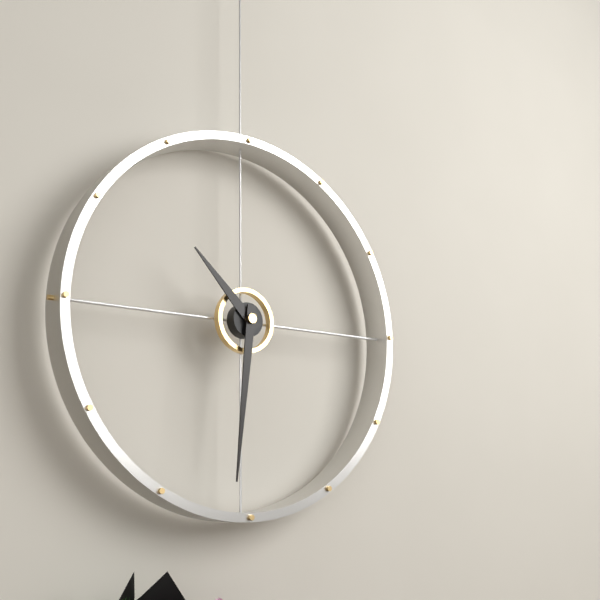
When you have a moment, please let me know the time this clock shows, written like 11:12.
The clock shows 10:31
